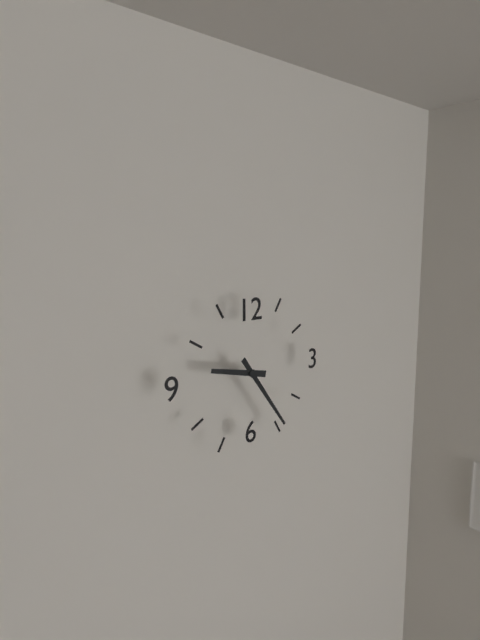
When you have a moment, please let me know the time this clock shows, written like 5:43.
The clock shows 9:24
